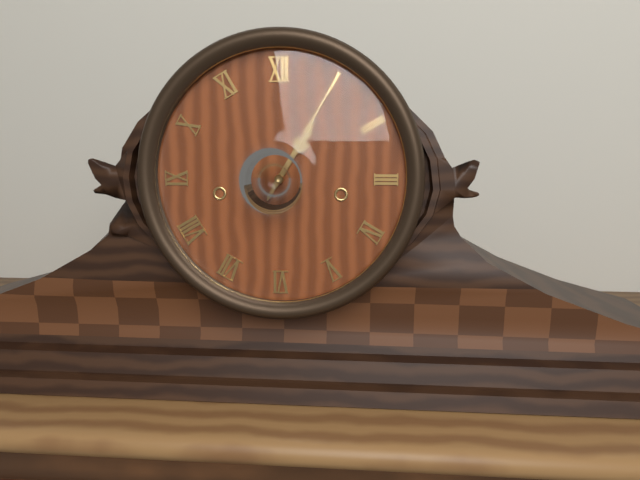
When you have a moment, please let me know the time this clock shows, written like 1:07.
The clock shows 1:05
